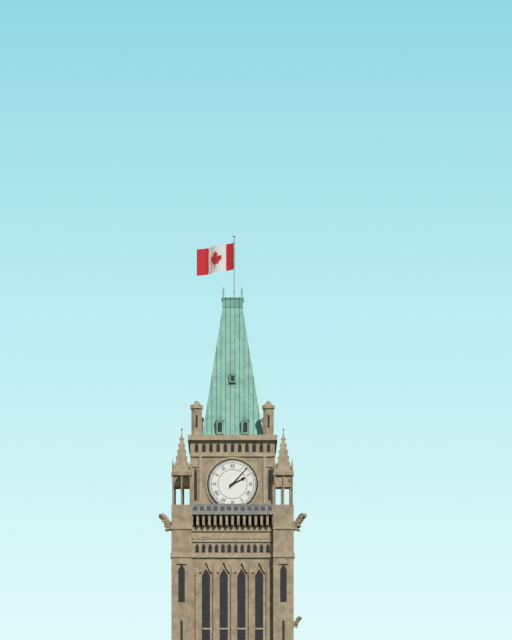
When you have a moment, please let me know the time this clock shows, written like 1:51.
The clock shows 2:07
